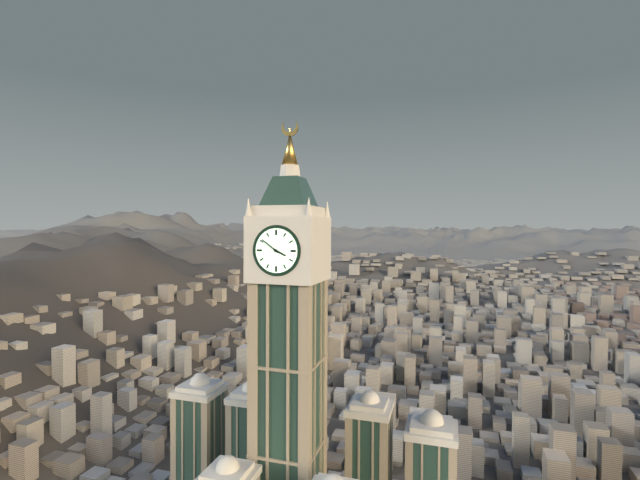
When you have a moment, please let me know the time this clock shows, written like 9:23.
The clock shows 3:51
